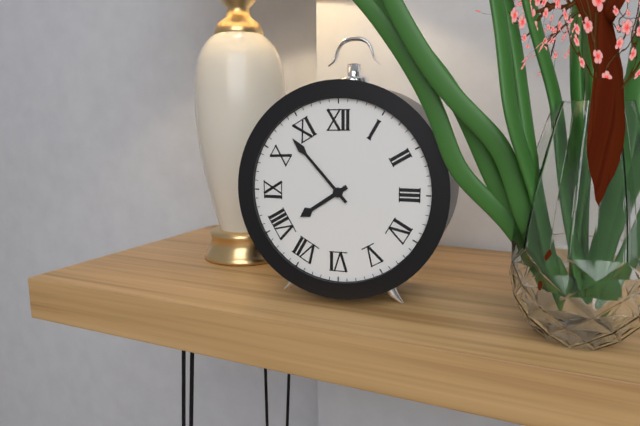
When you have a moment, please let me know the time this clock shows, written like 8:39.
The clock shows 7:53
